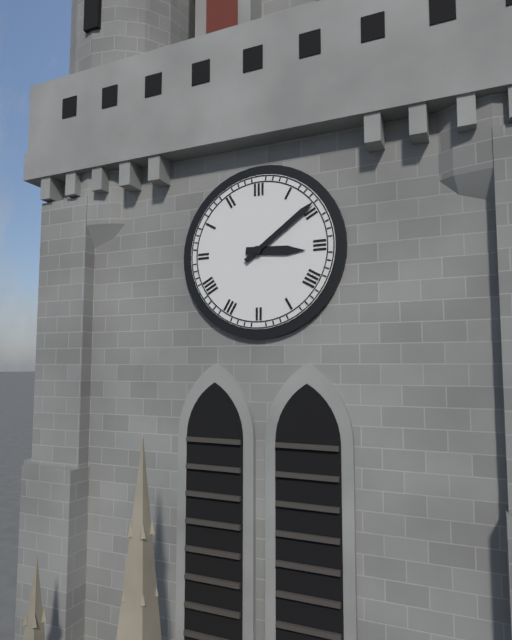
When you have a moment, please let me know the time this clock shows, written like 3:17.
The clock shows 3:09
